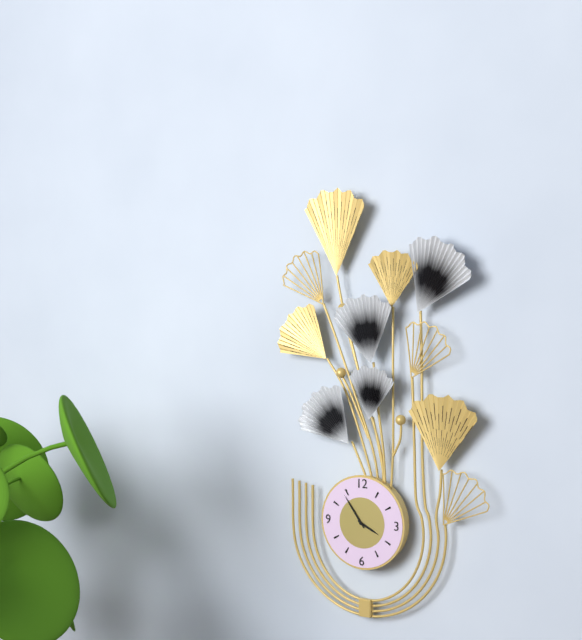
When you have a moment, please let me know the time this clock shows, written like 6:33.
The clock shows 3:54
